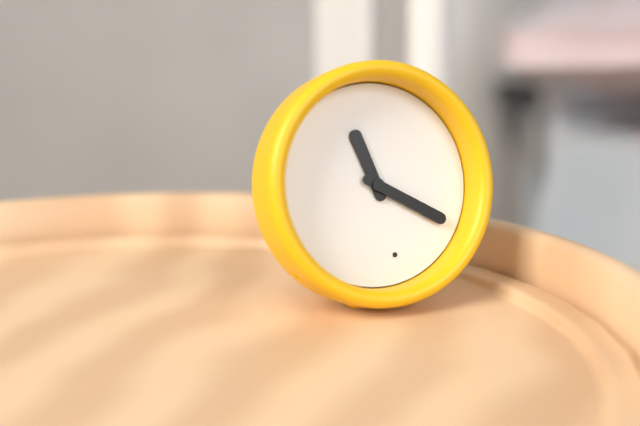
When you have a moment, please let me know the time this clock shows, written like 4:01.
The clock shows 11:20
